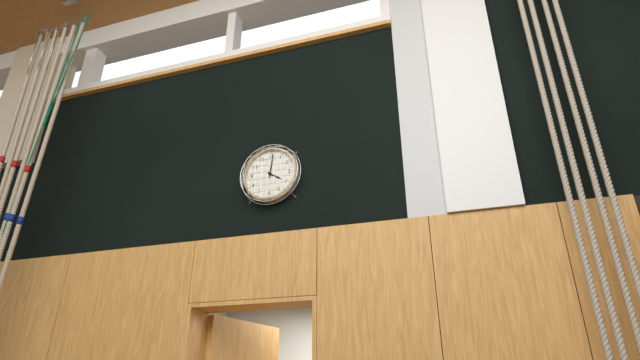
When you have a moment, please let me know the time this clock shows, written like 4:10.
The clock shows 4:01
